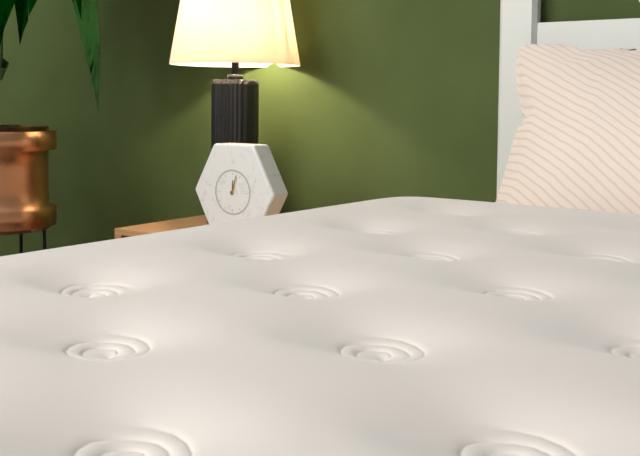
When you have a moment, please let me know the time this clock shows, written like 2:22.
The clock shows 12:03
